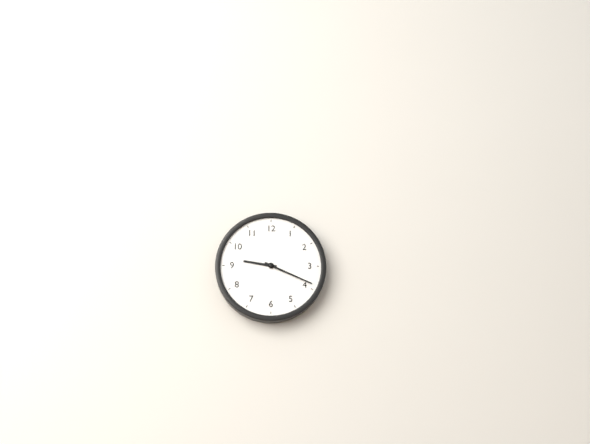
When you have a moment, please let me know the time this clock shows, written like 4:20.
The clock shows 9:19
